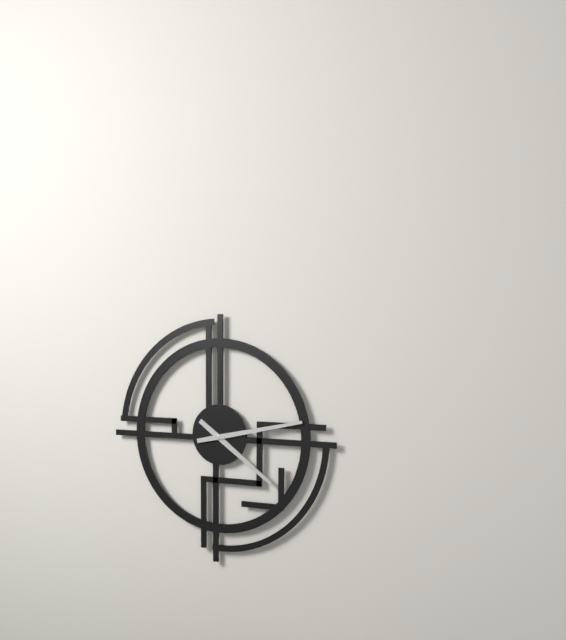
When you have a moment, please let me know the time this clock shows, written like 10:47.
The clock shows 4:13
